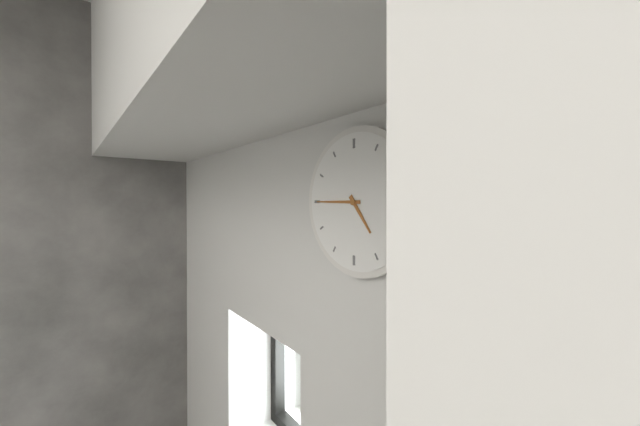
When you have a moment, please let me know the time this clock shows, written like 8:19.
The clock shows 4:45
